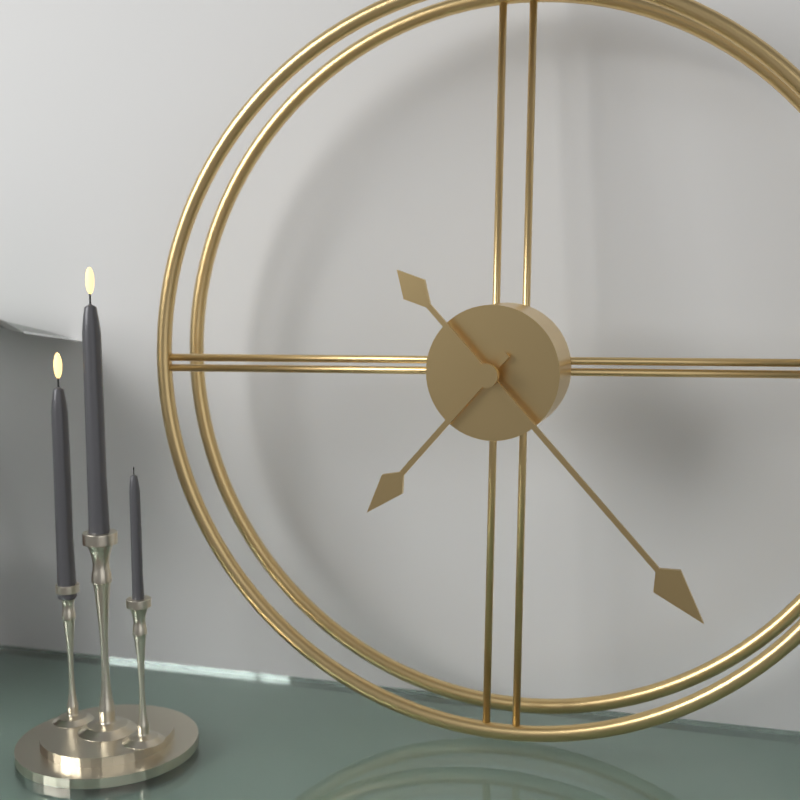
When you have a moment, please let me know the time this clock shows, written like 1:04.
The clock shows 7:23
